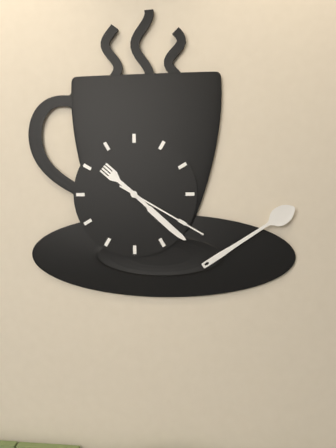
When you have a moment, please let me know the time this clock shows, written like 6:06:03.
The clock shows 10:22:20
